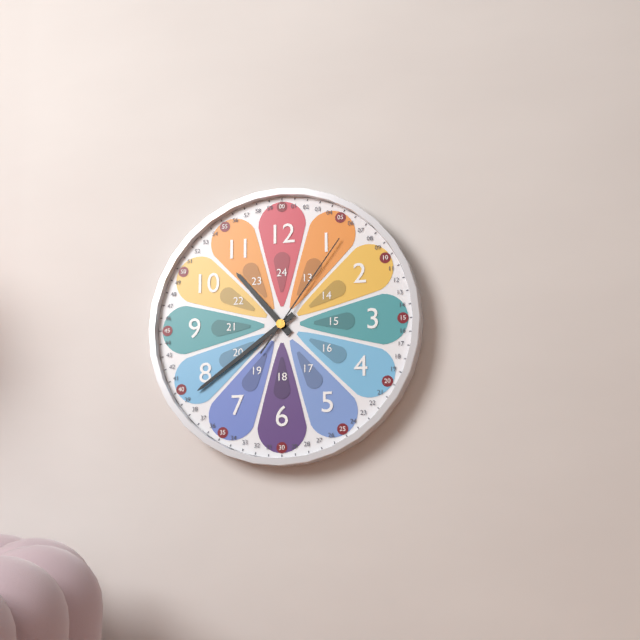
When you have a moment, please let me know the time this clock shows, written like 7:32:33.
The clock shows 10:39:06
